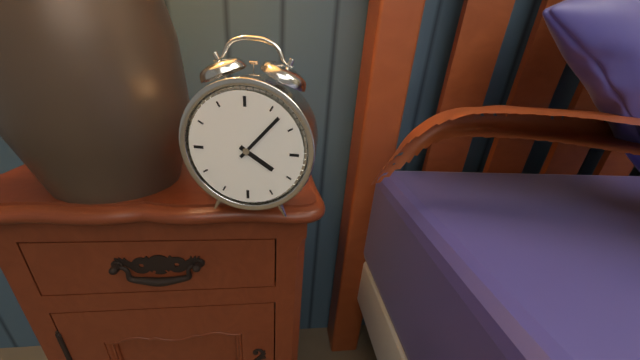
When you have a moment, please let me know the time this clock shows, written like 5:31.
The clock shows 4:07
